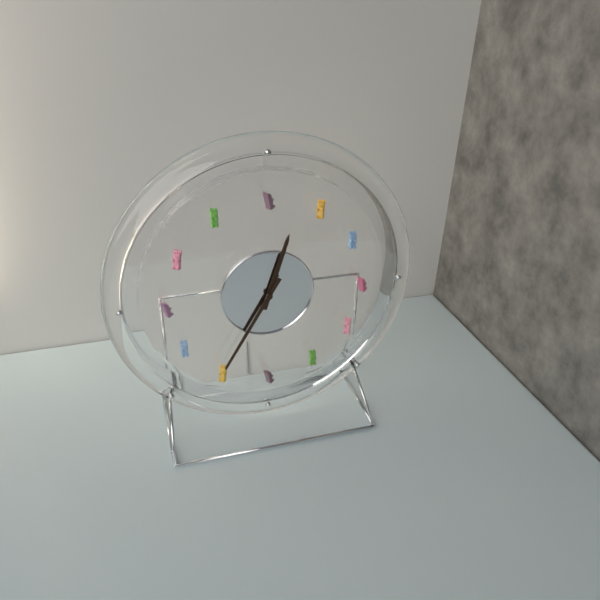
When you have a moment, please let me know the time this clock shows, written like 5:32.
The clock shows 12:35
